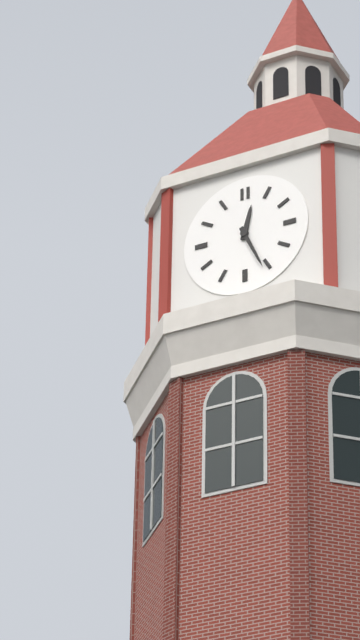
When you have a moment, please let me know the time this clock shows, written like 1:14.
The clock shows 12:26
